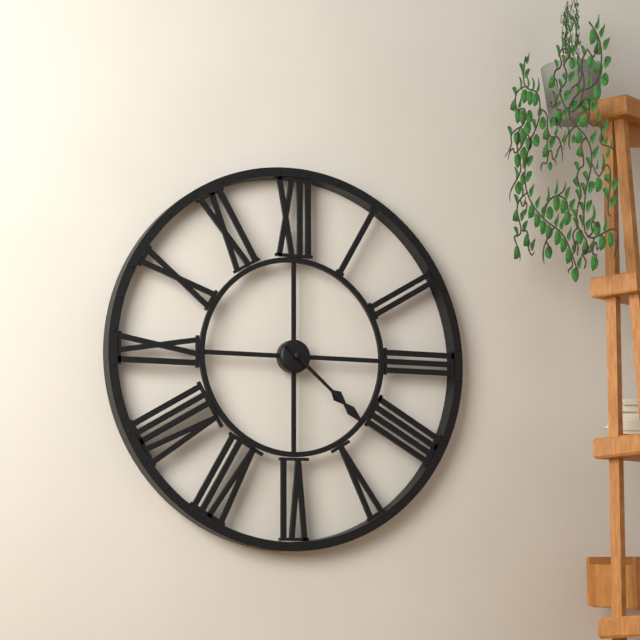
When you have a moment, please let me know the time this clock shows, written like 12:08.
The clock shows 4:22
